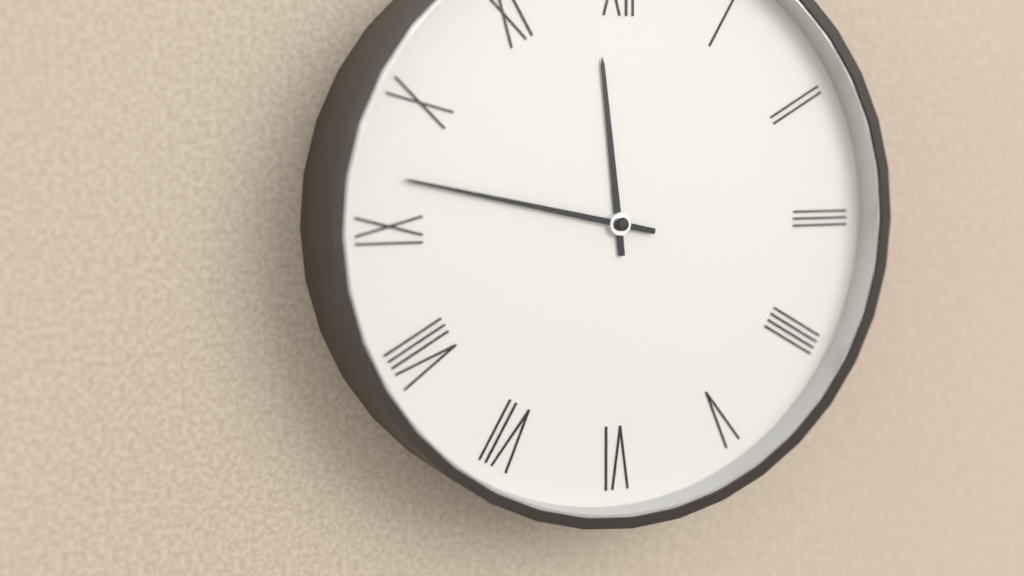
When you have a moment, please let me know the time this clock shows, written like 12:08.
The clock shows 11:47
